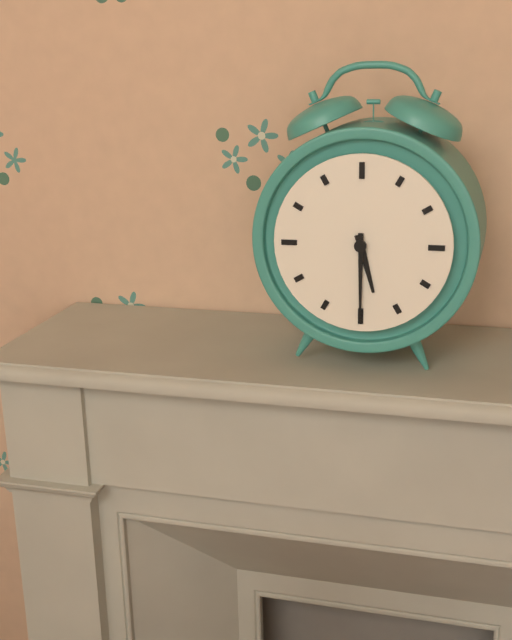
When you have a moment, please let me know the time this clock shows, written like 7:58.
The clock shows 5:30
